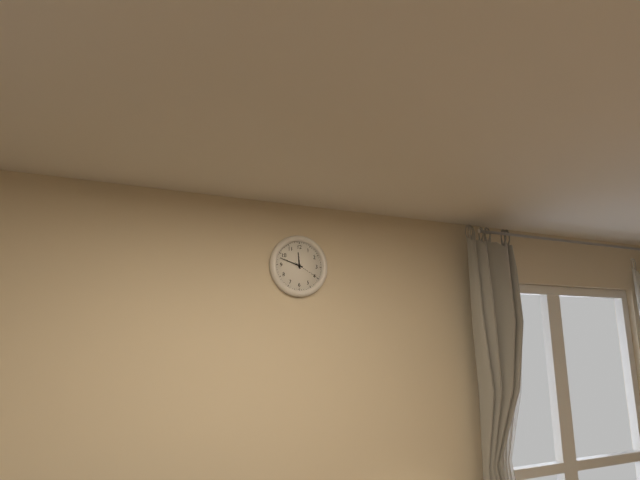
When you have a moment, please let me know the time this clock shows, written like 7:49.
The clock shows 11:48
